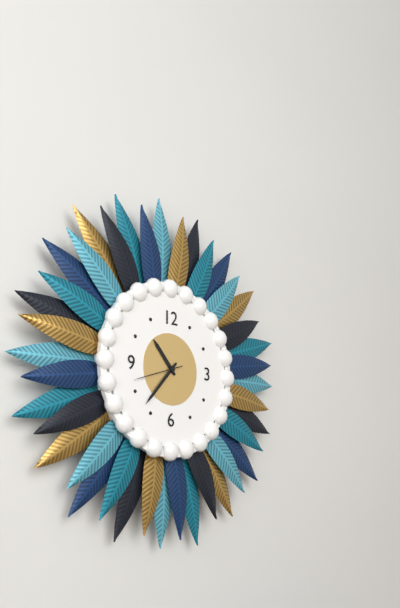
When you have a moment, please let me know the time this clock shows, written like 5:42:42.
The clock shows 10:37:42
